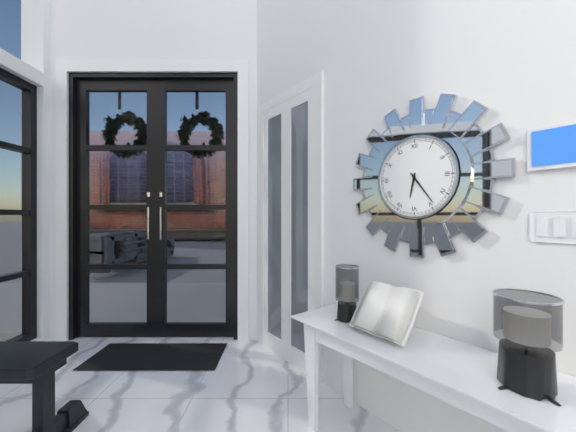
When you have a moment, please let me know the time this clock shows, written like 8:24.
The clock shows 6:24
